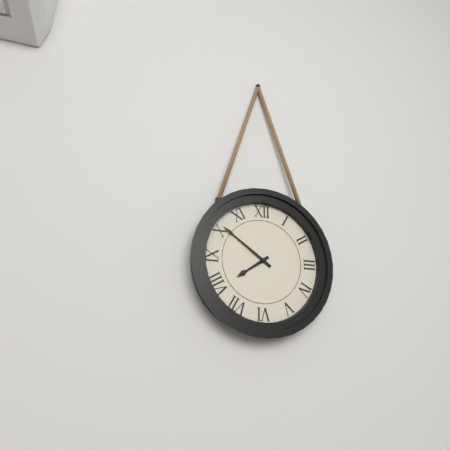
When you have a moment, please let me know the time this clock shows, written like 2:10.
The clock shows 7:51
